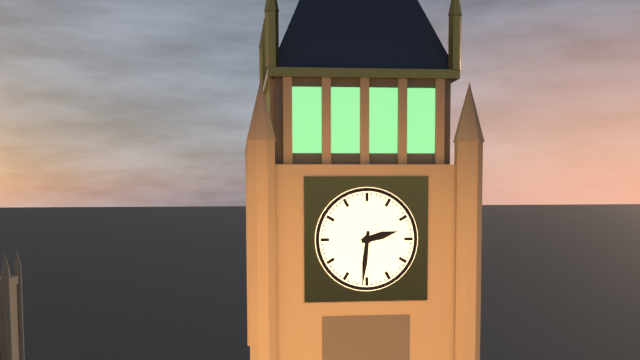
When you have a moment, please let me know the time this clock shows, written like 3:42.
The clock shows 2:31
